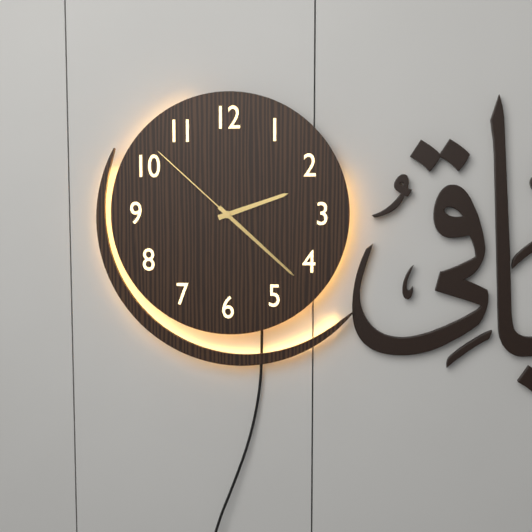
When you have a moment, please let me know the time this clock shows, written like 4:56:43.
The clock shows 2:22:52
